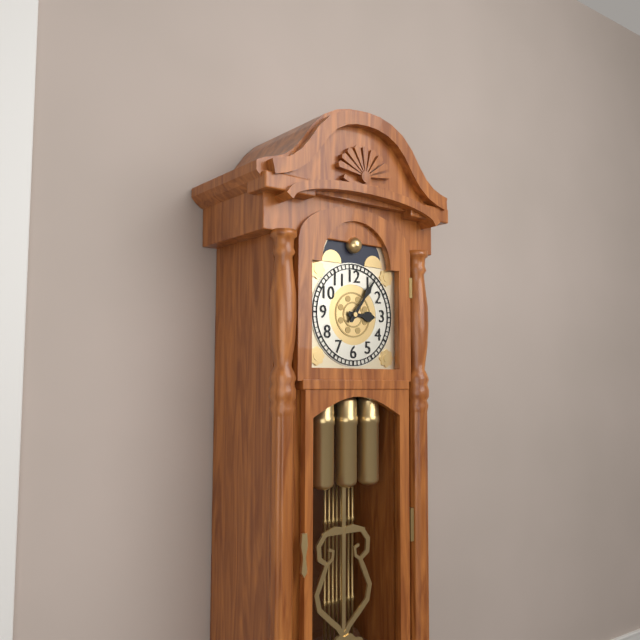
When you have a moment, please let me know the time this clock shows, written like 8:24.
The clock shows 3:06
